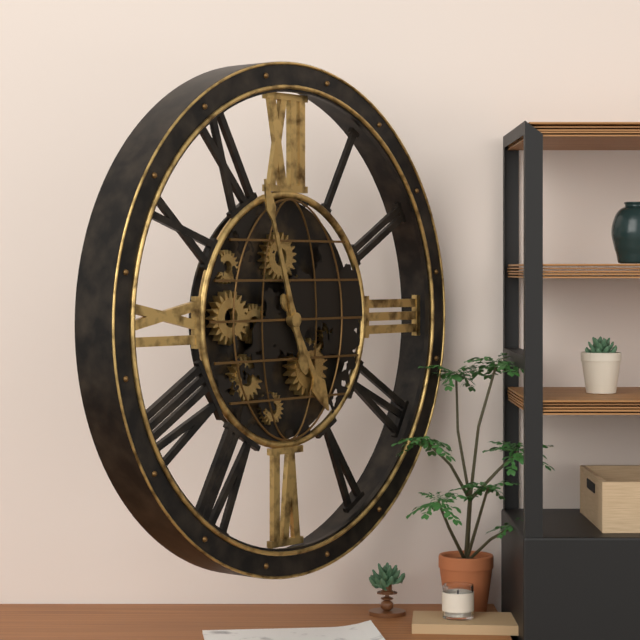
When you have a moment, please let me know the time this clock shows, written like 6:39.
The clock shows 4:57
